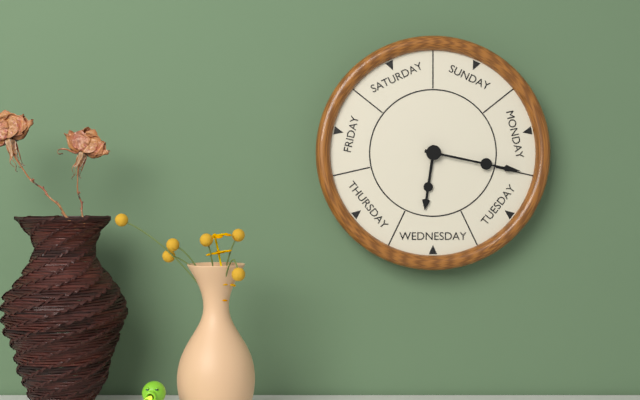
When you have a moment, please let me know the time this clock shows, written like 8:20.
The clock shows 6:17
